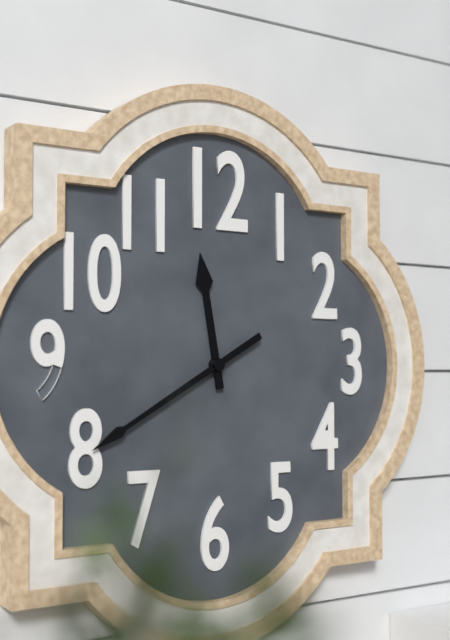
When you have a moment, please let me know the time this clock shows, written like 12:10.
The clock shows 11:40
